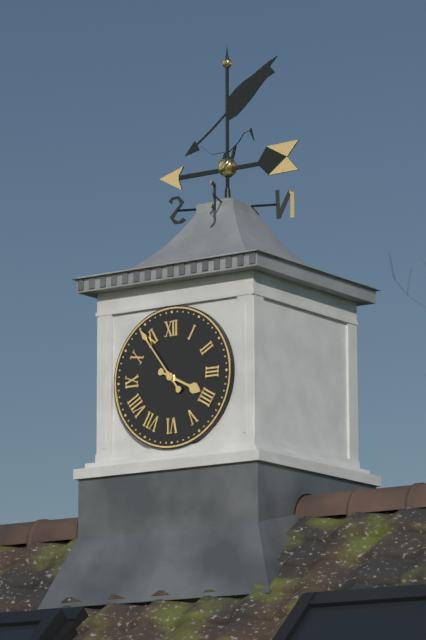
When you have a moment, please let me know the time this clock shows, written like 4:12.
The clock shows 3:54
